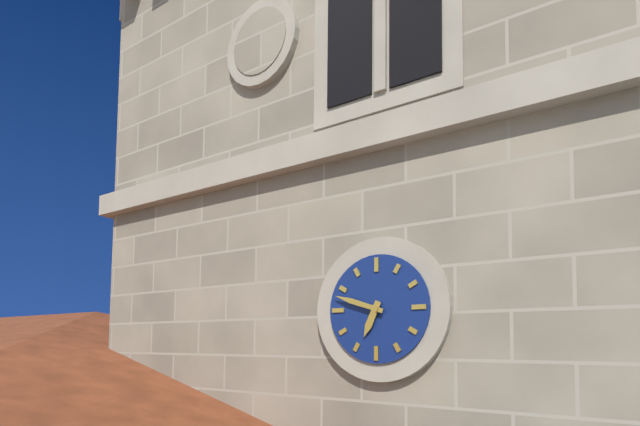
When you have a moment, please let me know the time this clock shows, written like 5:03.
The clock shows 6:48
